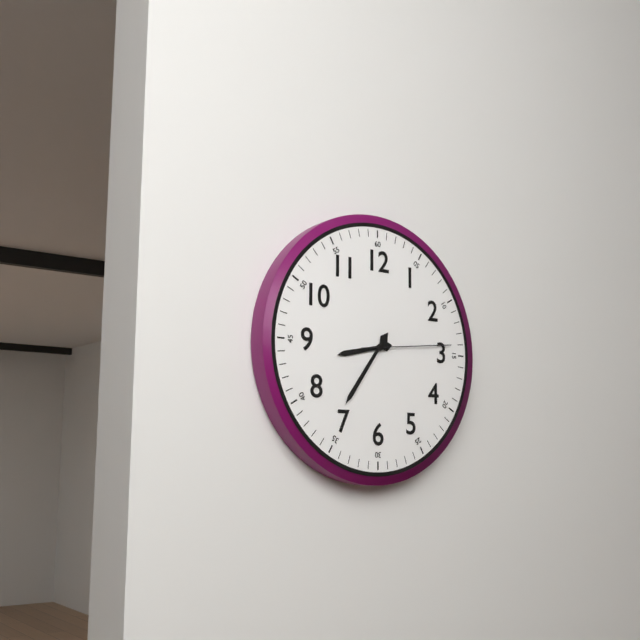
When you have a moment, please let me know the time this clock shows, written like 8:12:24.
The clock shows 8:36:14
